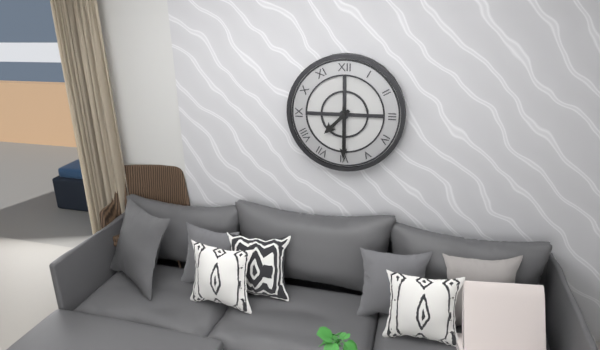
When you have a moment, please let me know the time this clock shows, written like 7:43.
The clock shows 7:30
